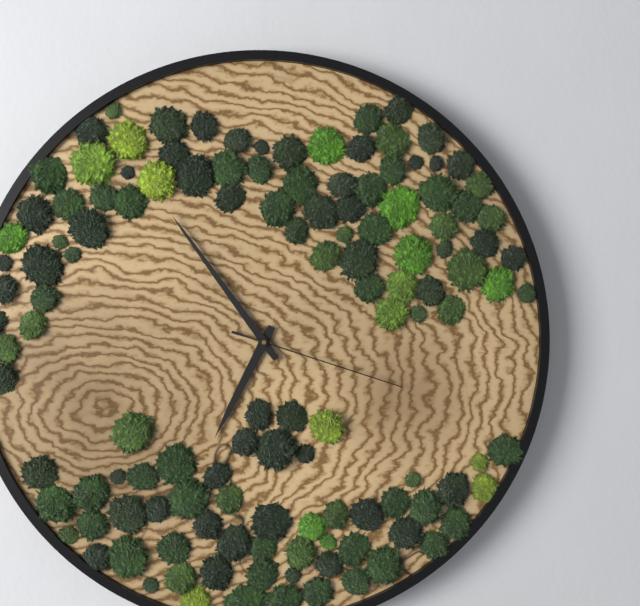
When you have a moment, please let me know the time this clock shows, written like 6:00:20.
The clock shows 6:54:18
